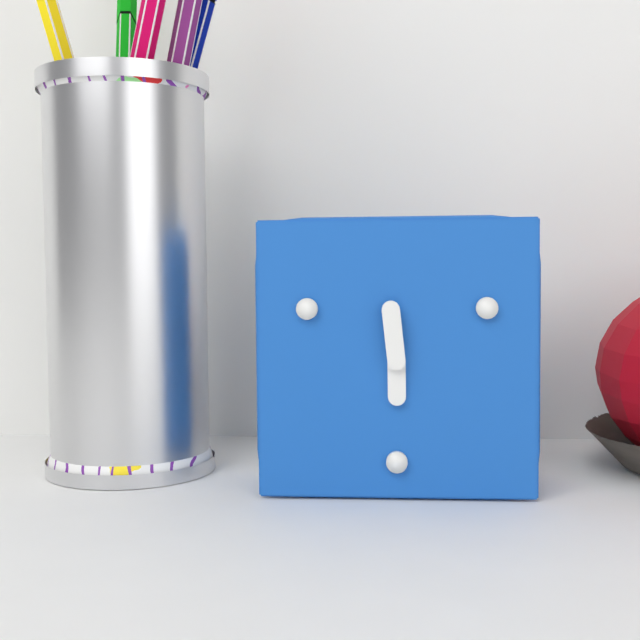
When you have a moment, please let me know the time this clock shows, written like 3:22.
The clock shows 5:59
